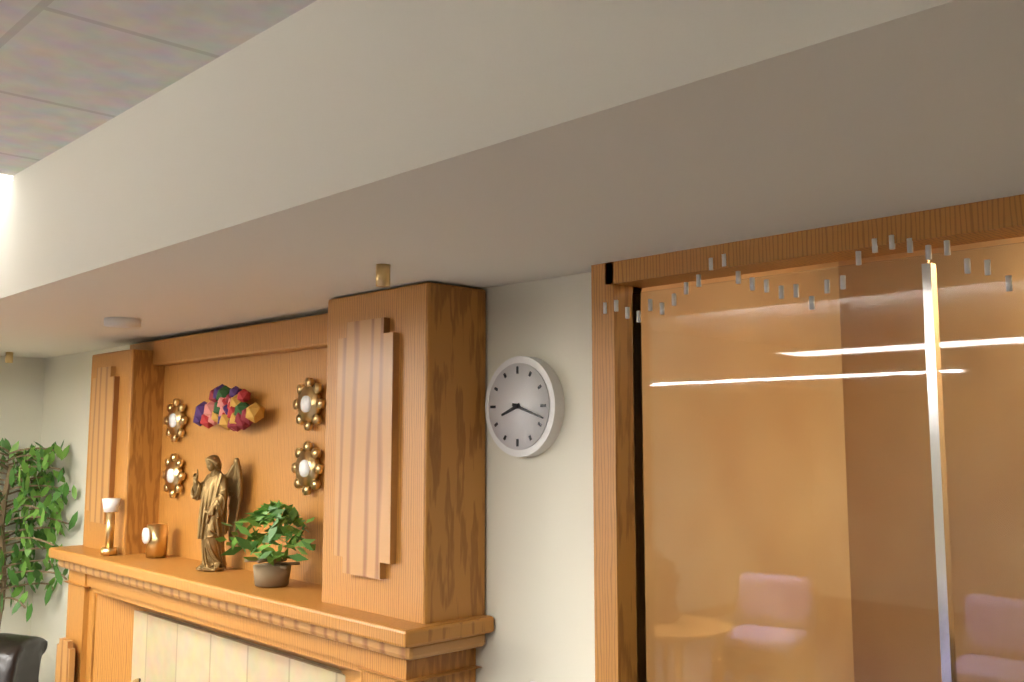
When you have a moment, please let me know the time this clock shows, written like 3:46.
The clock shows 8:18
